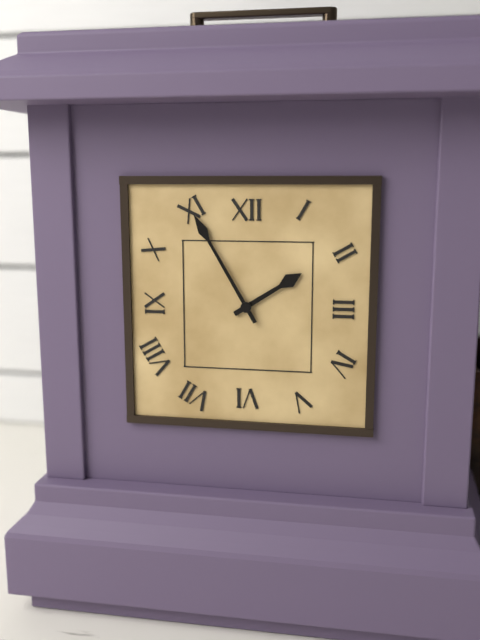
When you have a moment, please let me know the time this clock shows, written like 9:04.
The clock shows 1:55
